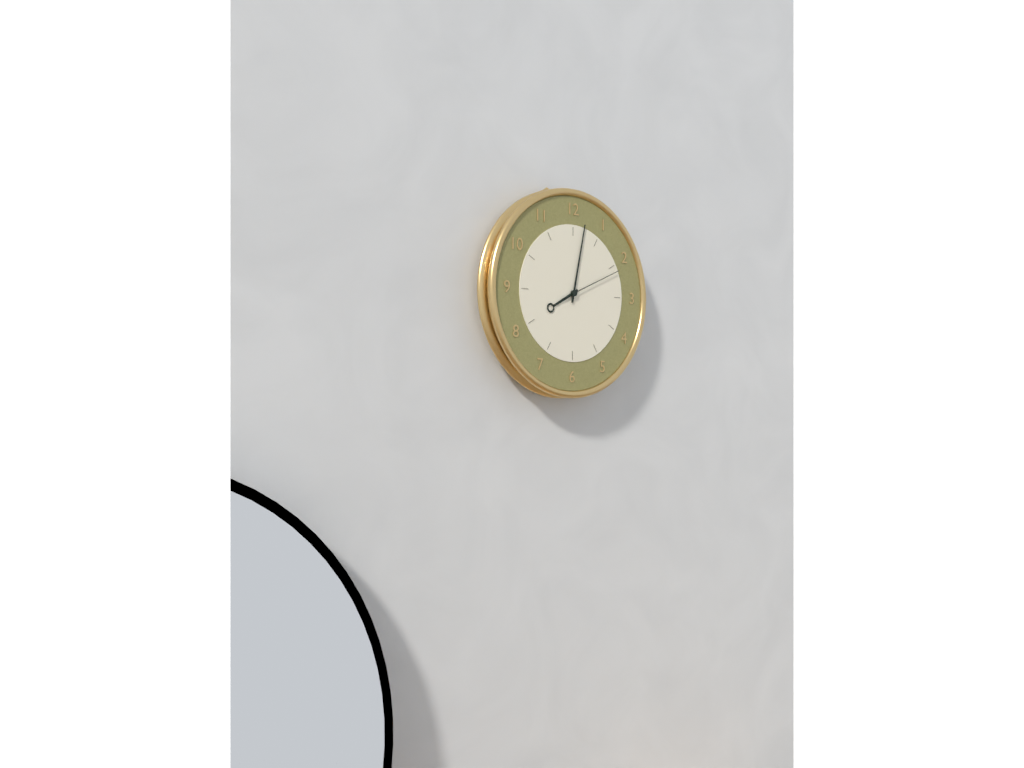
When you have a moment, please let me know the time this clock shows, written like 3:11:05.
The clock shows 8:02:11
